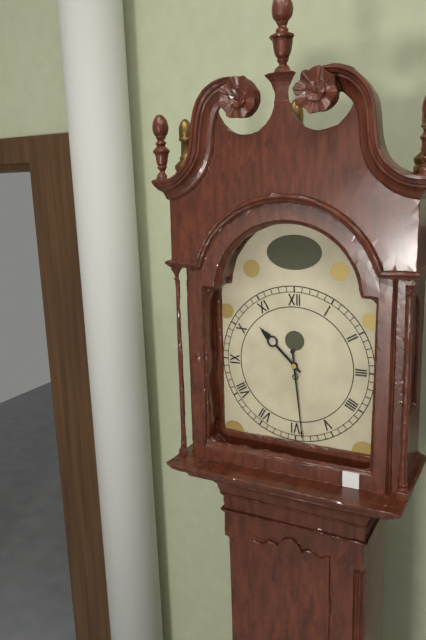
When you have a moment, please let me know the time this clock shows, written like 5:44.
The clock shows 10:29
